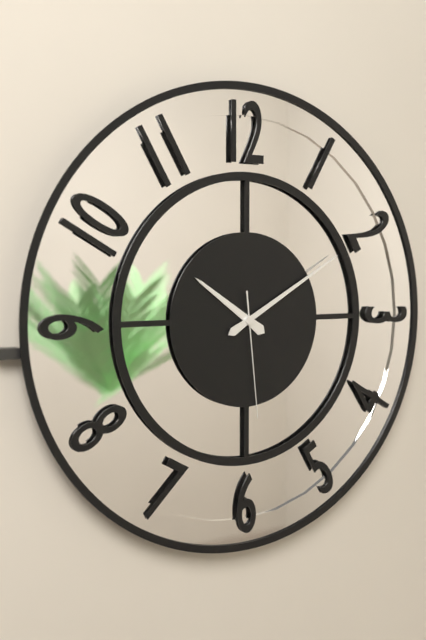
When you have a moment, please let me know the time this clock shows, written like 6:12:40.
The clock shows 10:10:29
